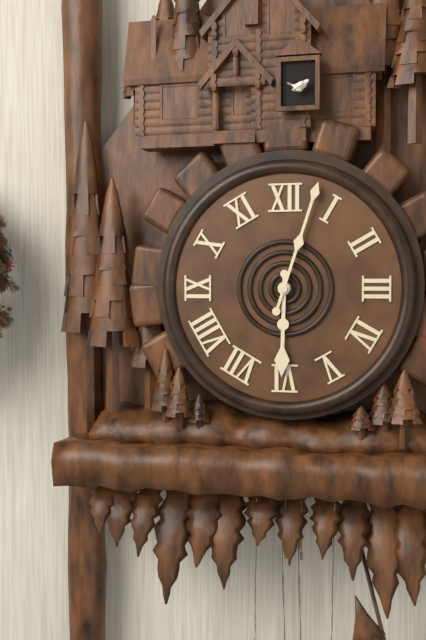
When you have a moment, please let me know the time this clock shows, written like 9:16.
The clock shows 6:03
